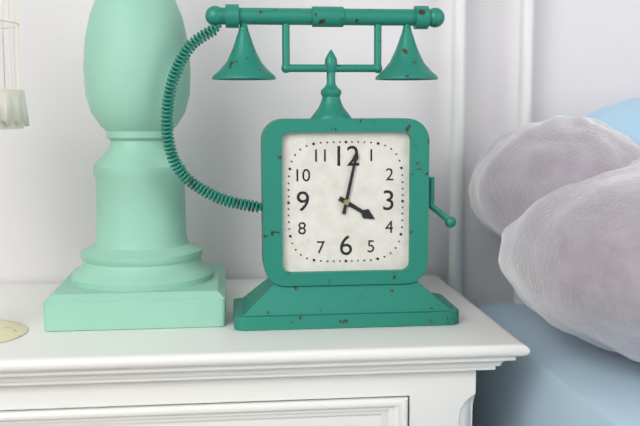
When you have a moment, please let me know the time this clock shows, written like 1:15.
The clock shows 4:02
